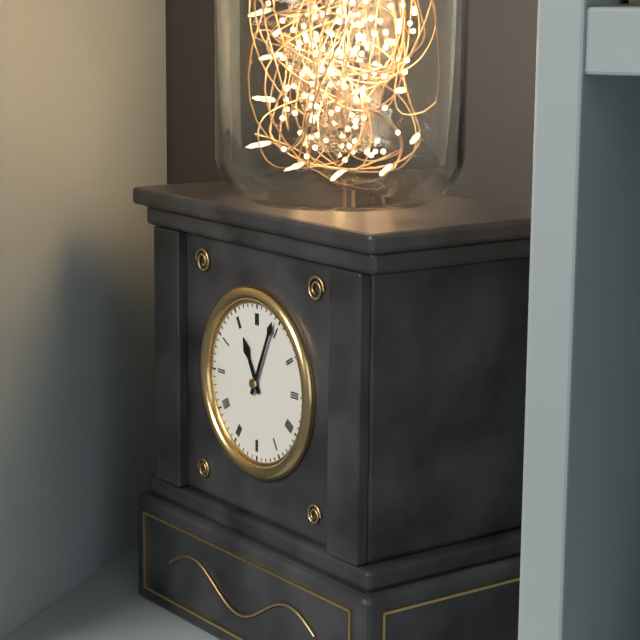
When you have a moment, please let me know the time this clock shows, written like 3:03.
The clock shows 11:04
